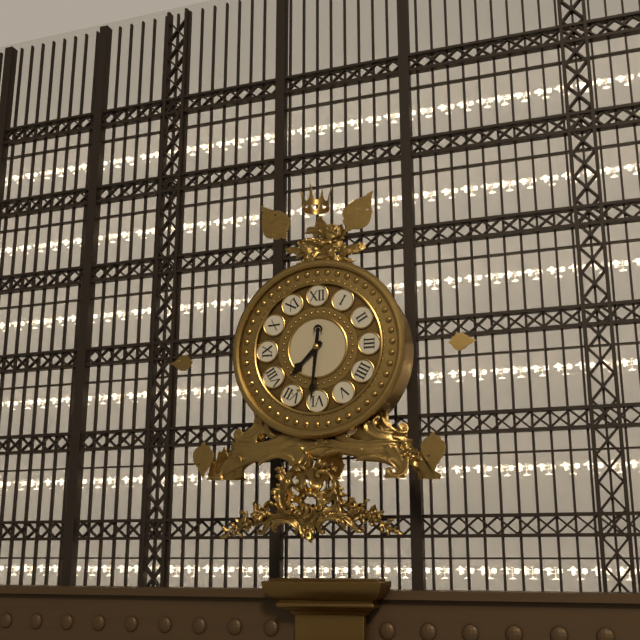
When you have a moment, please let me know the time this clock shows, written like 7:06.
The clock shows 7:31
